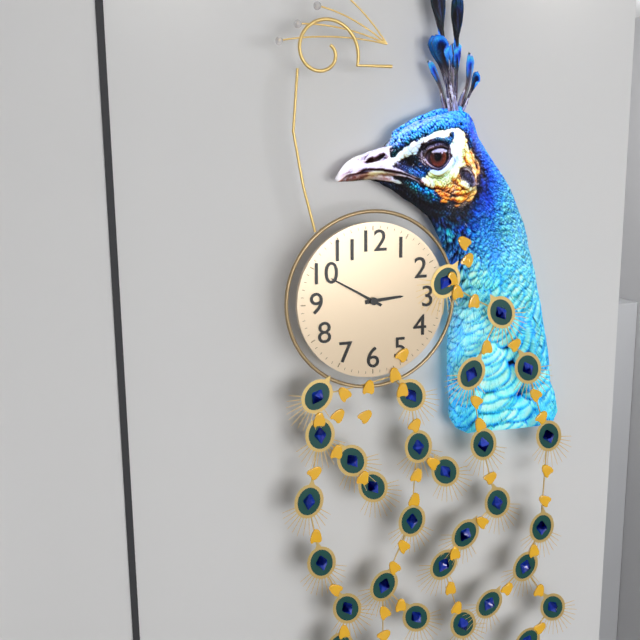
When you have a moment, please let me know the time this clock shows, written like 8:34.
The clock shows 2:50
